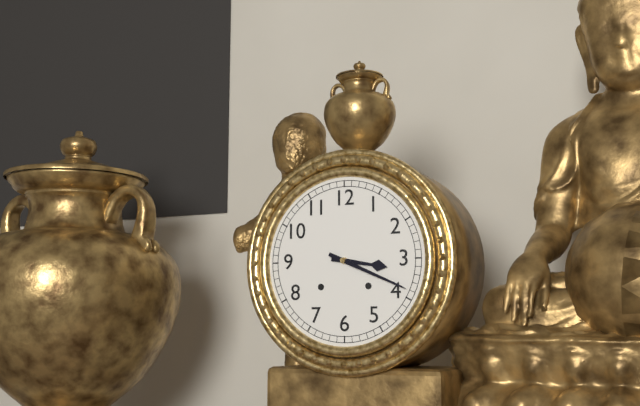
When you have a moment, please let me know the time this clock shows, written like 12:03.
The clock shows 3:19
